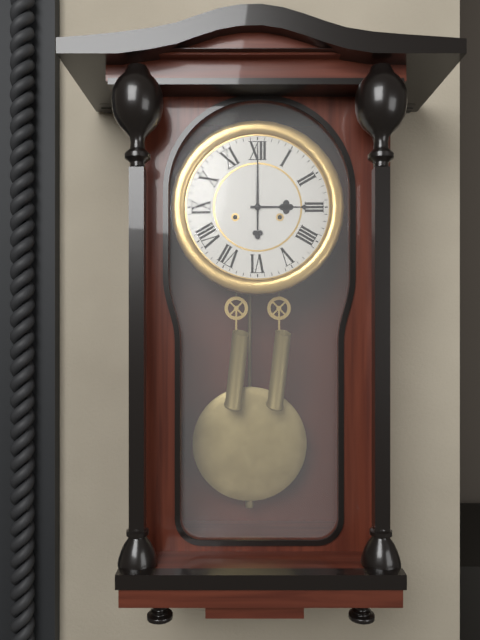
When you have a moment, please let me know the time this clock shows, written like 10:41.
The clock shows 3:00
